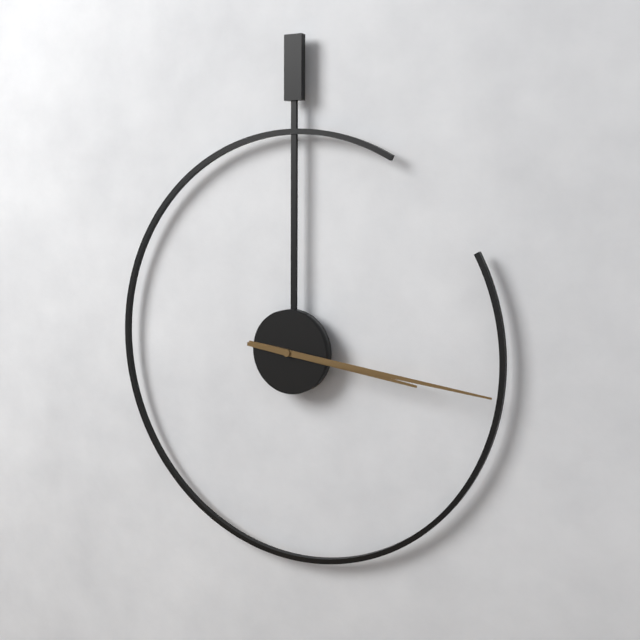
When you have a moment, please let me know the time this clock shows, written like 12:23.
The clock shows 3:16
